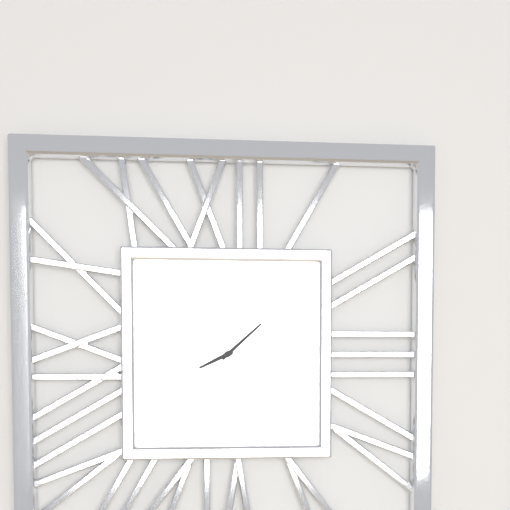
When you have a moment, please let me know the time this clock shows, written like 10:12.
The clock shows 8:08
